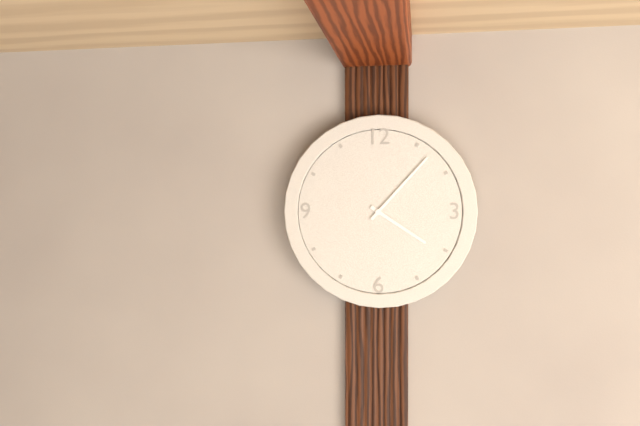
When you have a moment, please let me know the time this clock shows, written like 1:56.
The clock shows 4:07
